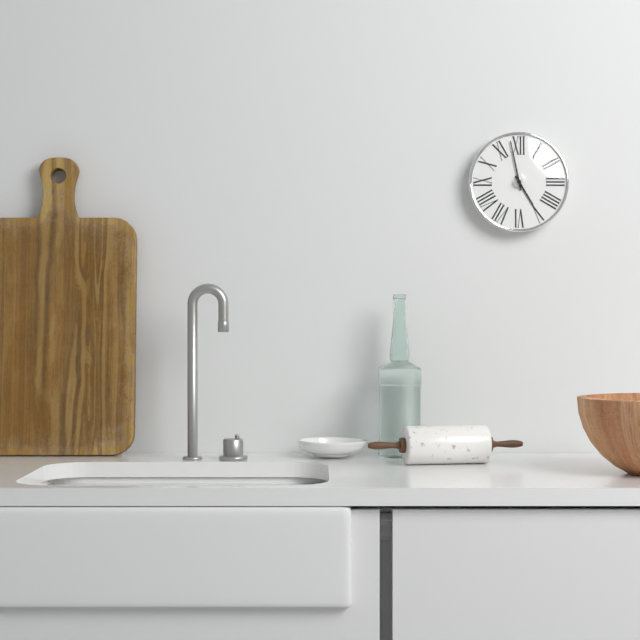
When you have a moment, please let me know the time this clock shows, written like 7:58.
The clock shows 4:58
